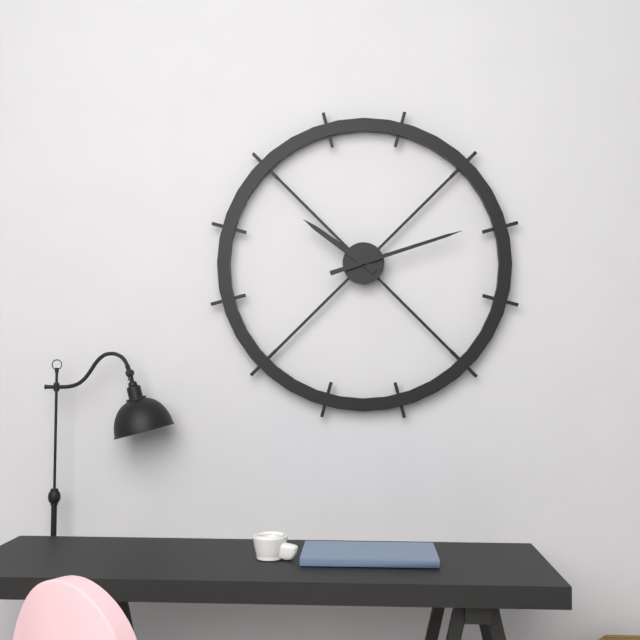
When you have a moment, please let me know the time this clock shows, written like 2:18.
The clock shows 10:12
